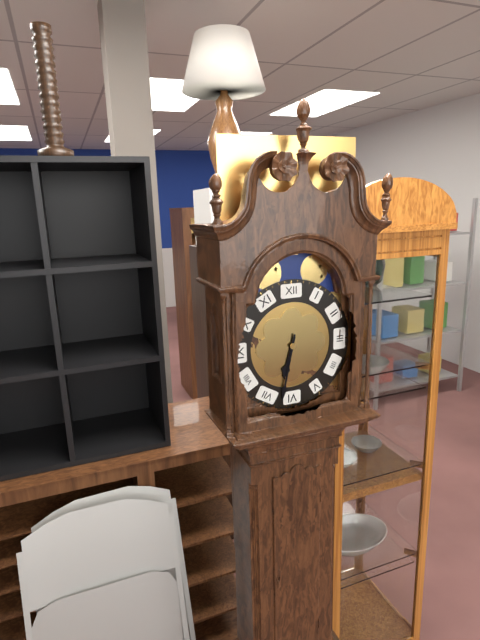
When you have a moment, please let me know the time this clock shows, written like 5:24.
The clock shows 6:32
